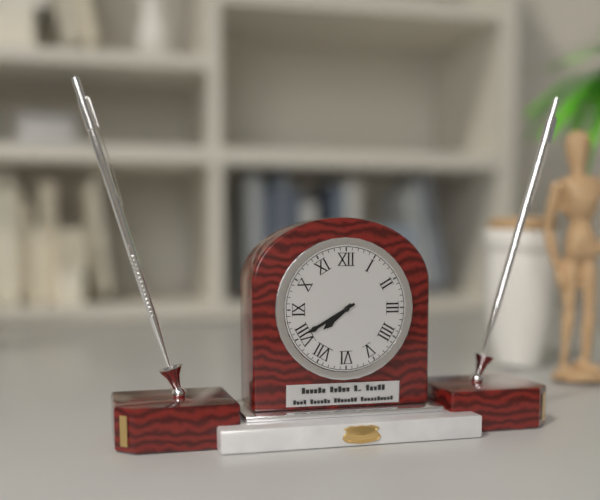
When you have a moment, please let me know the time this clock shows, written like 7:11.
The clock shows 7:40
